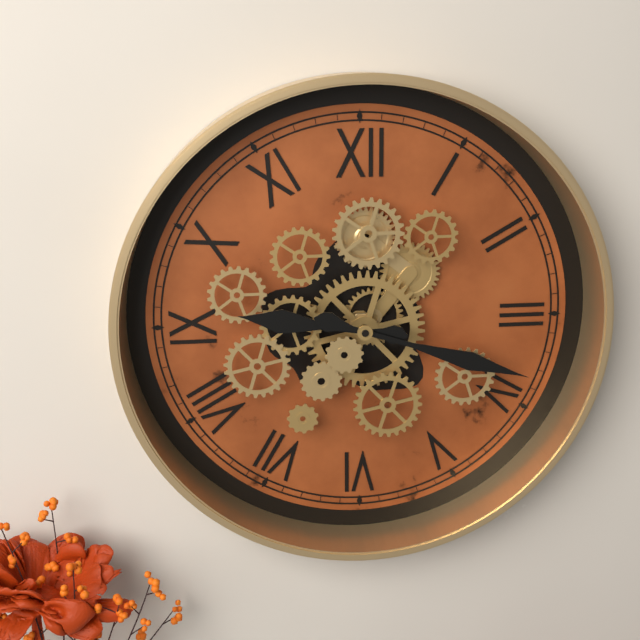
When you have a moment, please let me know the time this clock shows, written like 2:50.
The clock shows 9:18
